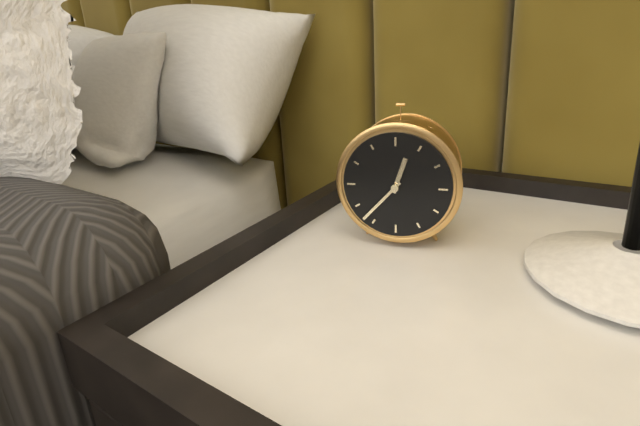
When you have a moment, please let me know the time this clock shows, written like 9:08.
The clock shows 12:37
